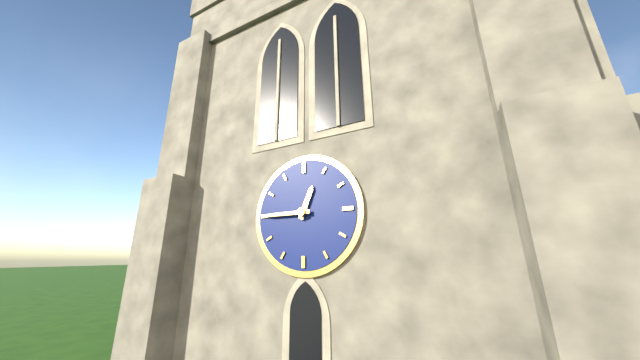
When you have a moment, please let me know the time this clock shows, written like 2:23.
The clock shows 12:45
